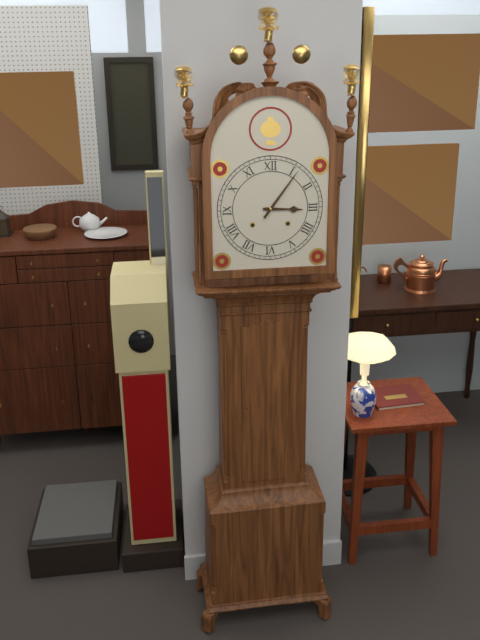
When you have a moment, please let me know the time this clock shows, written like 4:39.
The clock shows 3:06
